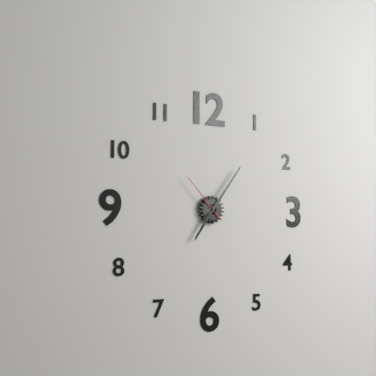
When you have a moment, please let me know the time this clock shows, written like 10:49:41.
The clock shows 7:06:53
